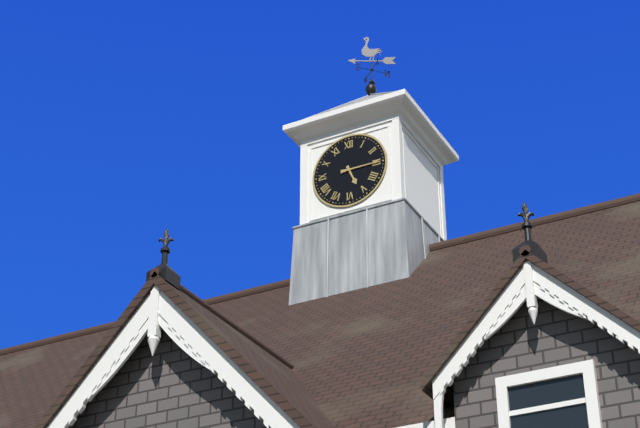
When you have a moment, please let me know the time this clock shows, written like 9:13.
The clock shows 5:15
